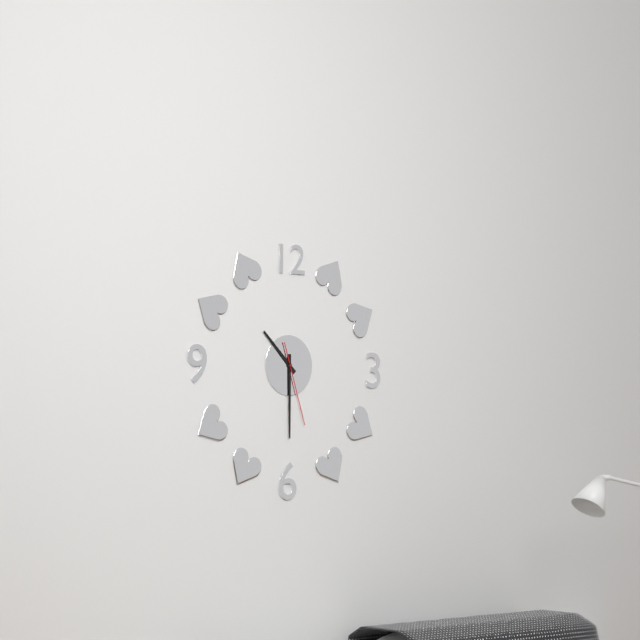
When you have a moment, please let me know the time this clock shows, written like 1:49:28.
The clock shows 10:30:27
